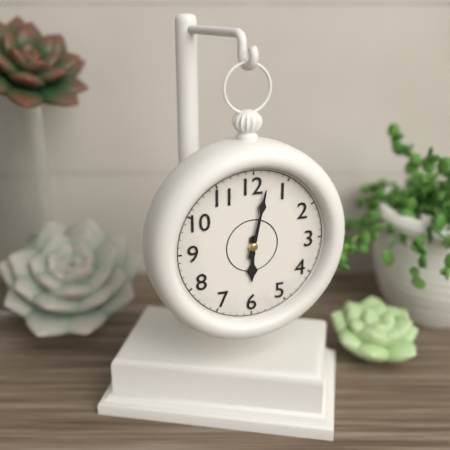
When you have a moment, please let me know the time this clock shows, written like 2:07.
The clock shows 6:02
